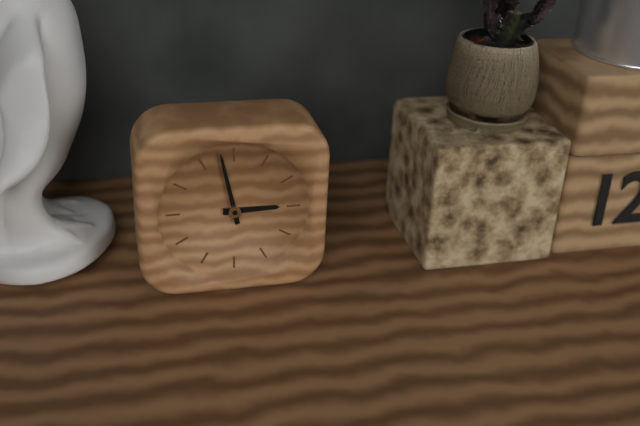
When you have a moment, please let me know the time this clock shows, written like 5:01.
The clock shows 2:58
